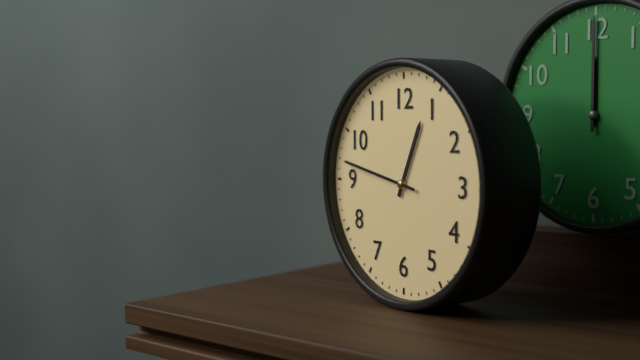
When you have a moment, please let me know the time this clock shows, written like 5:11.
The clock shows 12:47
